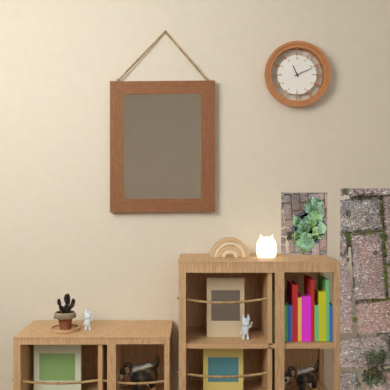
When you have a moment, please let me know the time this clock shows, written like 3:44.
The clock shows 11:11
